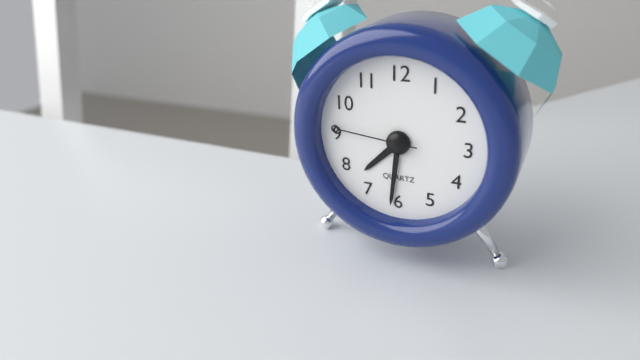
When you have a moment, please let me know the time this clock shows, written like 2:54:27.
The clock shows 7:31:46
